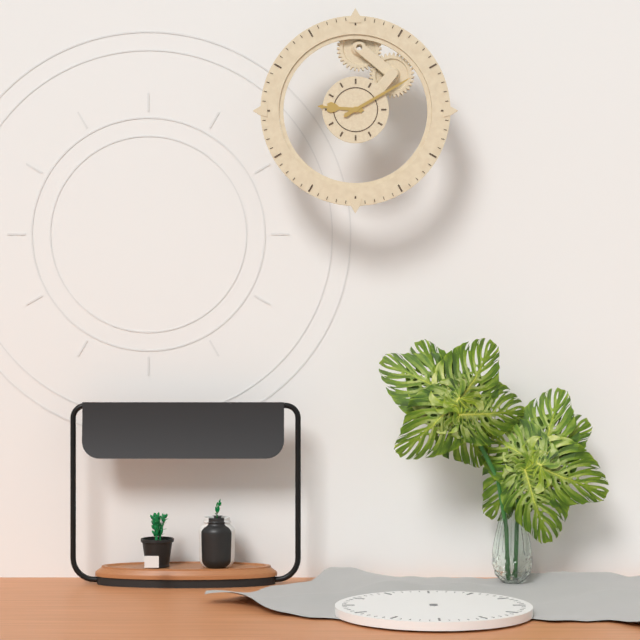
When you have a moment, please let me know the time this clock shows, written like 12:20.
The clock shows 9:10
